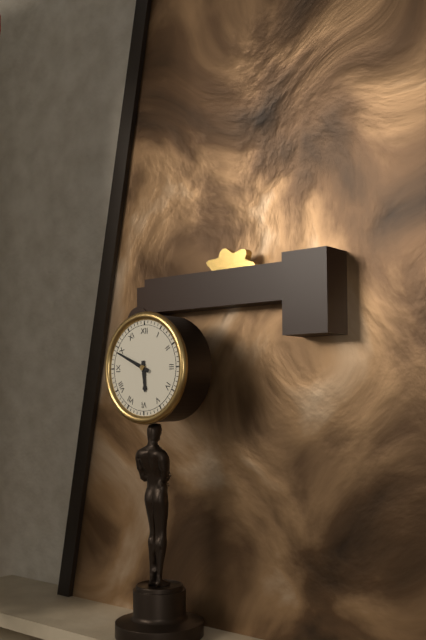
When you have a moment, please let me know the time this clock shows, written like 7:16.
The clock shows 5:49
